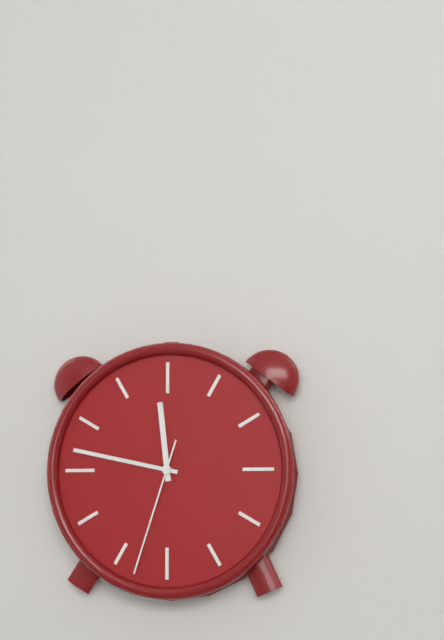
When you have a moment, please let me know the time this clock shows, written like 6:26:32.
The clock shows 11:47:33
